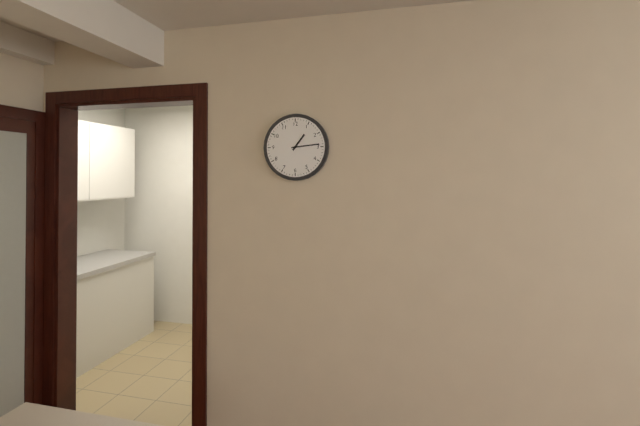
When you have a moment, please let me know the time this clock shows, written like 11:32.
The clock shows 1:14
